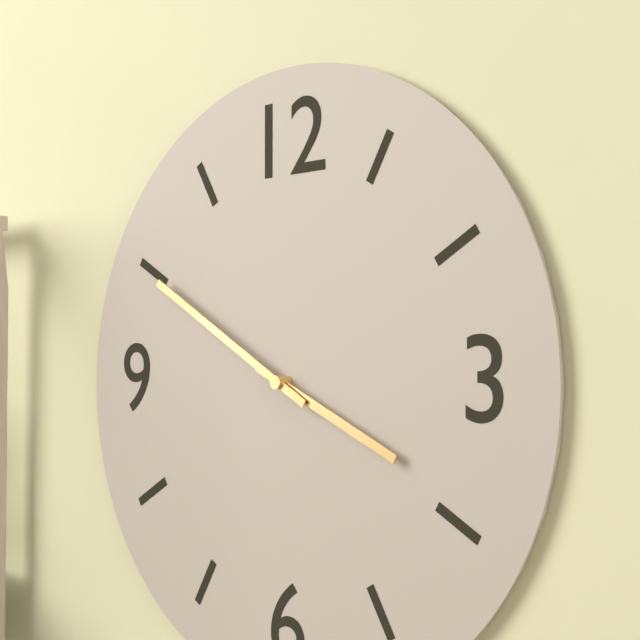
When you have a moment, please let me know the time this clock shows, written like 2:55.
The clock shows 3:50
